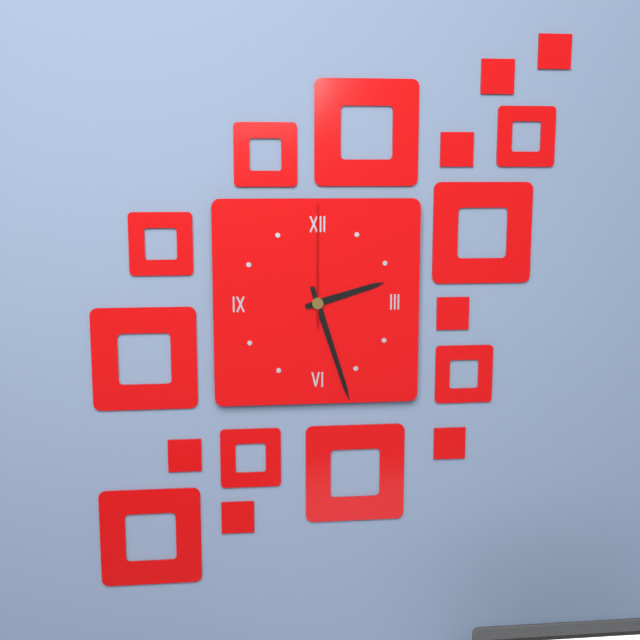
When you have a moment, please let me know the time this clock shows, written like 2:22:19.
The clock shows 2:27:00
